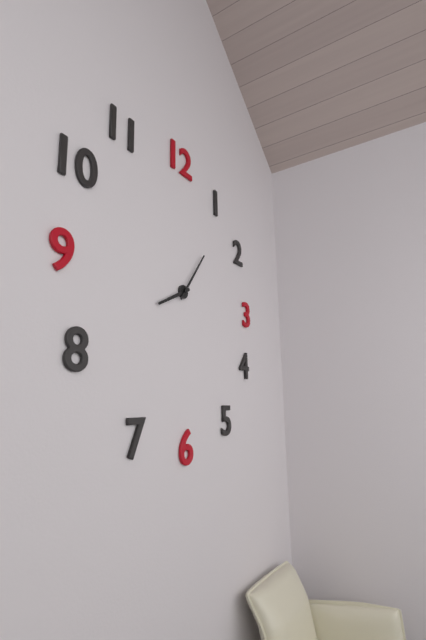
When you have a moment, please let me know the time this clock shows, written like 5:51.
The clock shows 8:06
